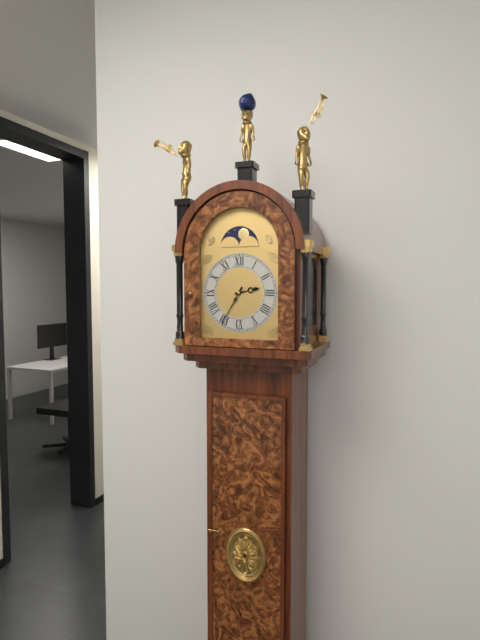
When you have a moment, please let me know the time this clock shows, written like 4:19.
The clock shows 2:35
